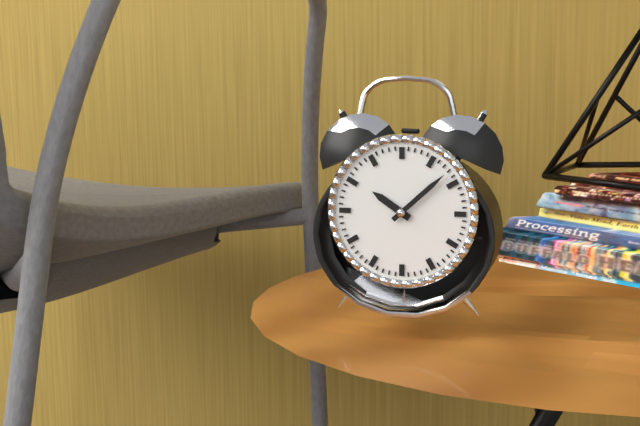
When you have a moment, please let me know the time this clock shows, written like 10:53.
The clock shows 10:08
